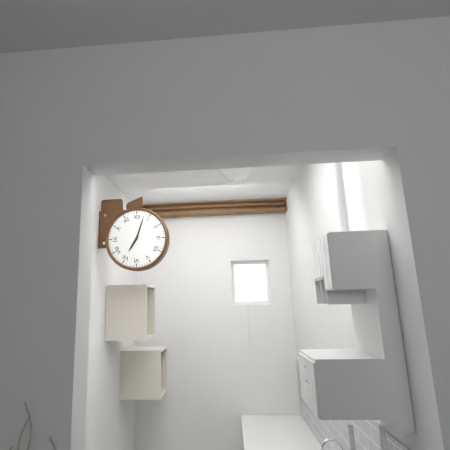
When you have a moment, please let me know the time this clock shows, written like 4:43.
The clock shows 7:03
